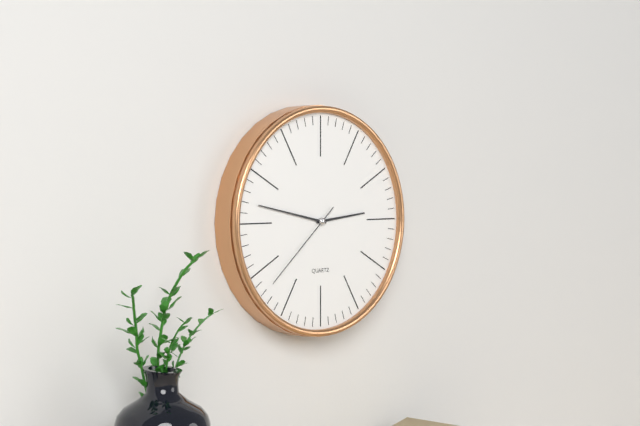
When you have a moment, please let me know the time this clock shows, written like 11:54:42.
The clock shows 2:47:38
